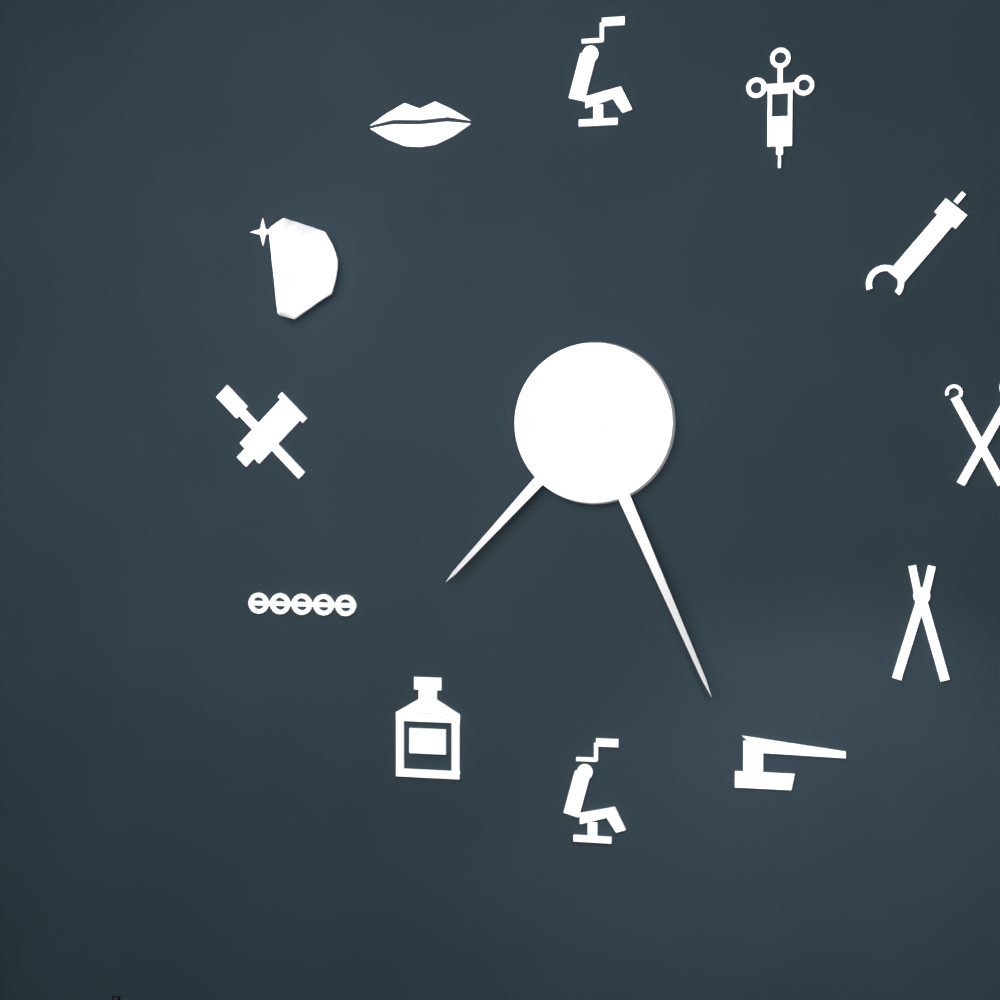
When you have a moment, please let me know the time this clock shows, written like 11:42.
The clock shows 7:26
